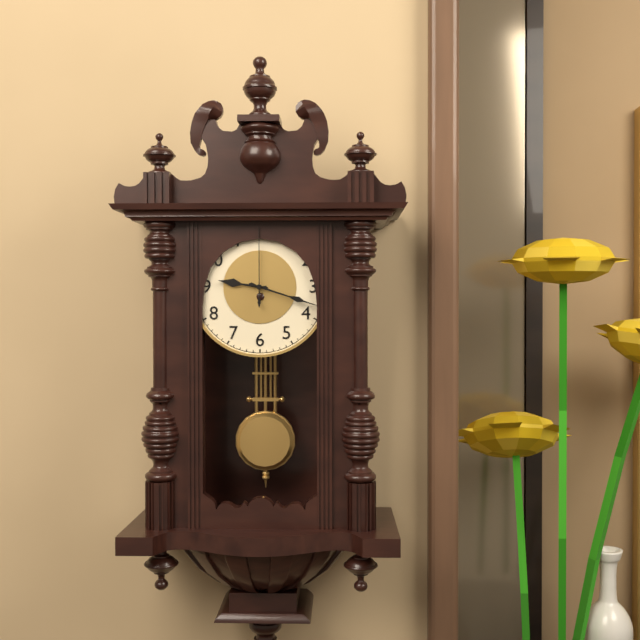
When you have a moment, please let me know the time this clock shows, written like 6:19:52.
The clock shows 9:18:00
